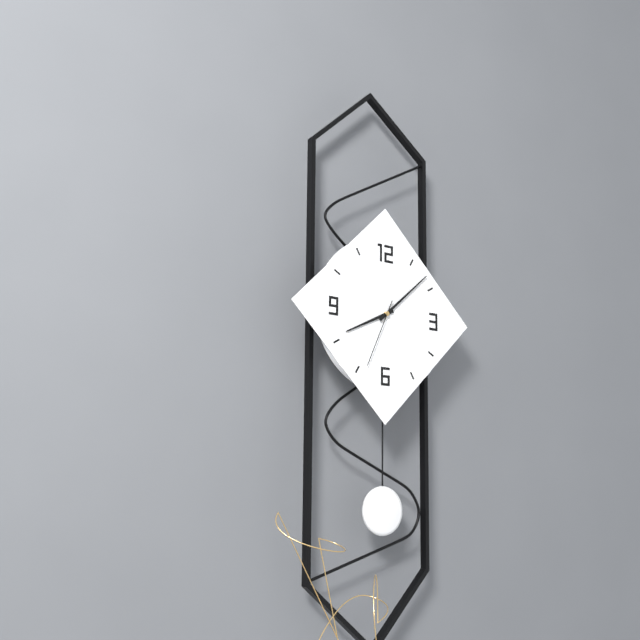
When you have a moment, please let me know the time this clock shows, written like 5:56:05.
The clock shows 8:08:34
